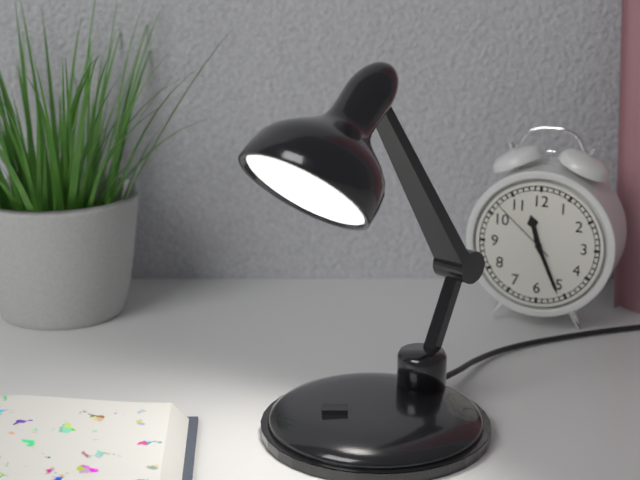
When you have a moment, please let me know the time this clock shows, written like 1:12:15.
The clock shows 11:26:52
